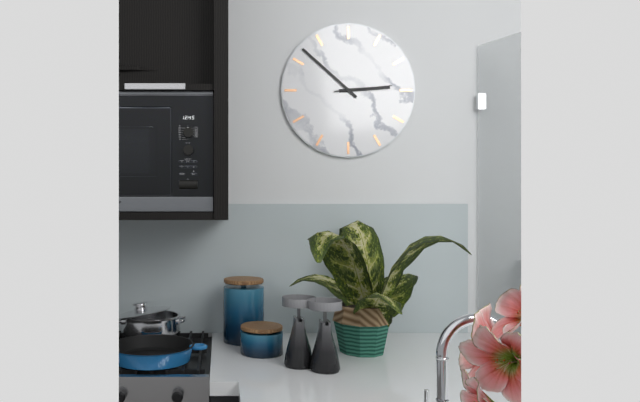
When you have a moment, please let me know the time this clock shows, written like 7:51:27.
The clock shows 2:52:14
